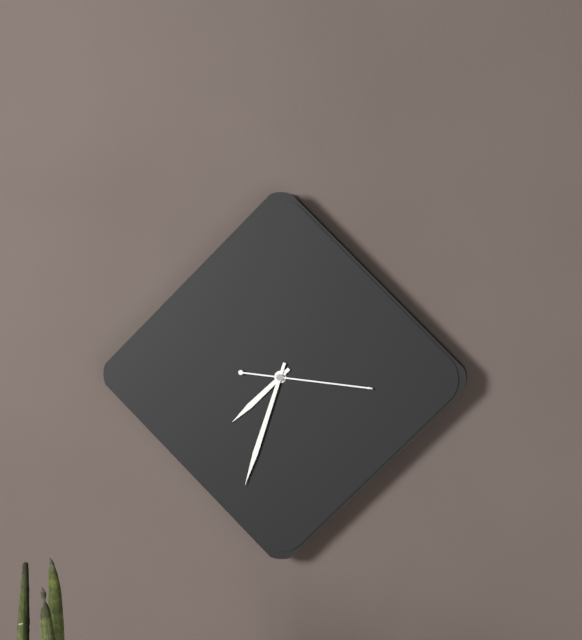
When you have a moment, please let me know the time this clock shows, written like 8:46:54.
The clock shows 7:33:16
